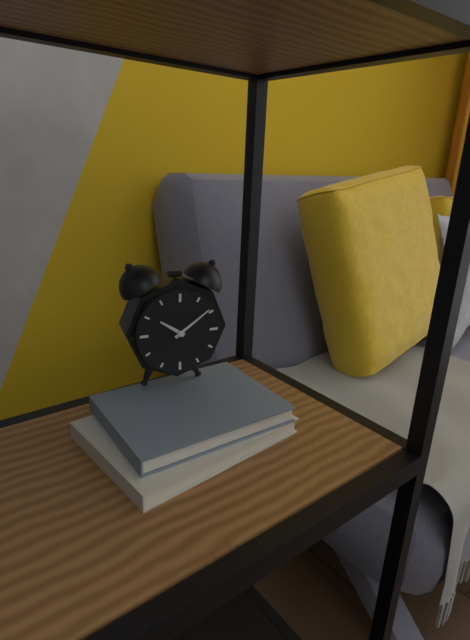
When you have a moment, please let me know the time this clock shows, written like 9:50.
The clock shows 10:09
